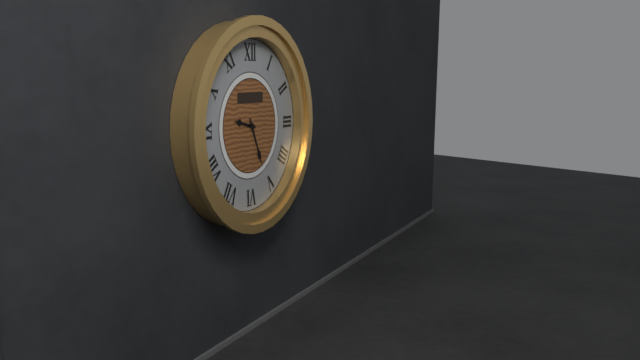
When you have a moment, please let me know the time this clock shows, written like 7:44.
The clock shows 9:26
